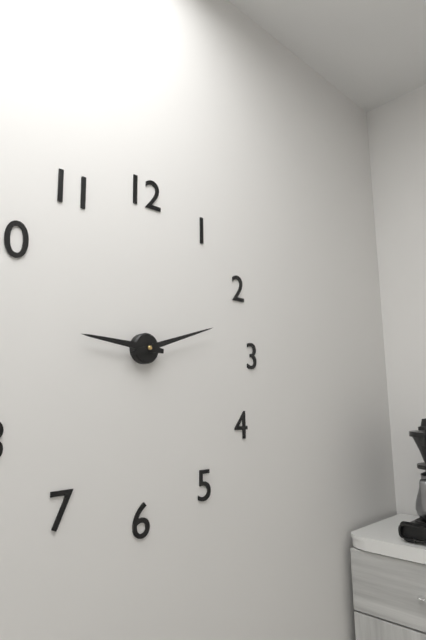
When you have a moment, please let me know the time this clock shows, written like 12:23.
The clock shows 9:12
